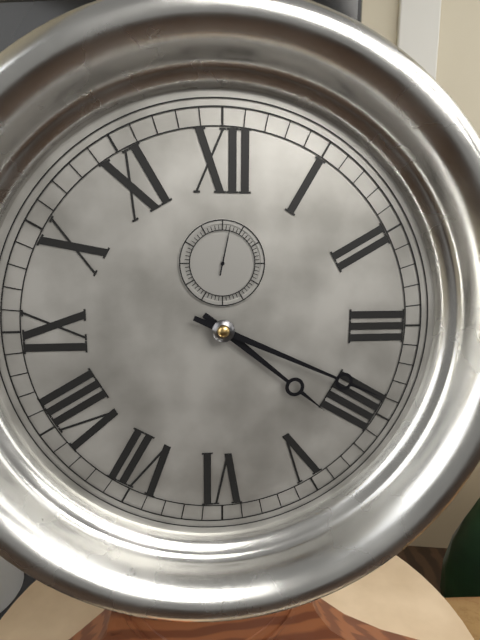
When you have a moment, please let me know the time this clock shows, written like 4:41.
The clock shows 4:19
